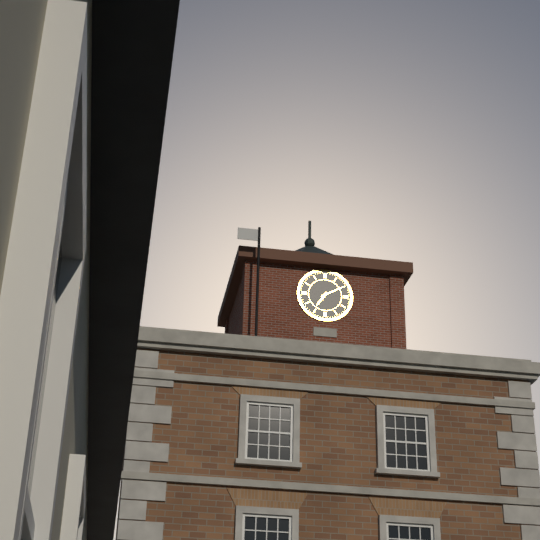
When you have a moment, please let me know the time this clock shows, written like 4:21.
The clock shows 7:10
